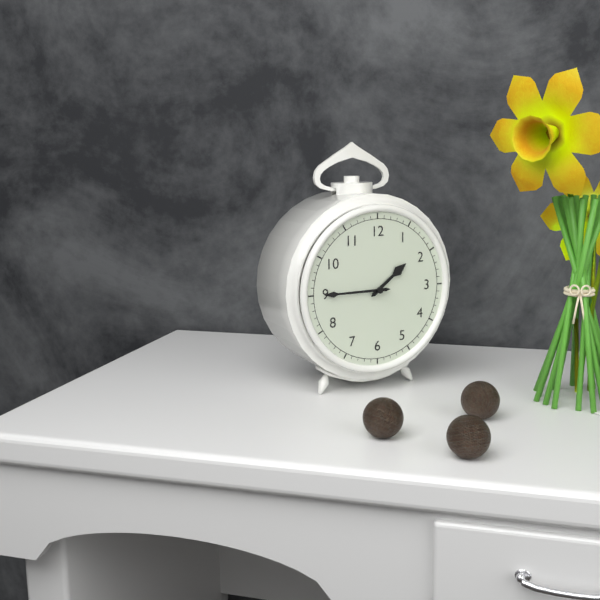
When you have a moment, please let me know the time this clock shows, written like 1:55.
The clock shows 1:45
